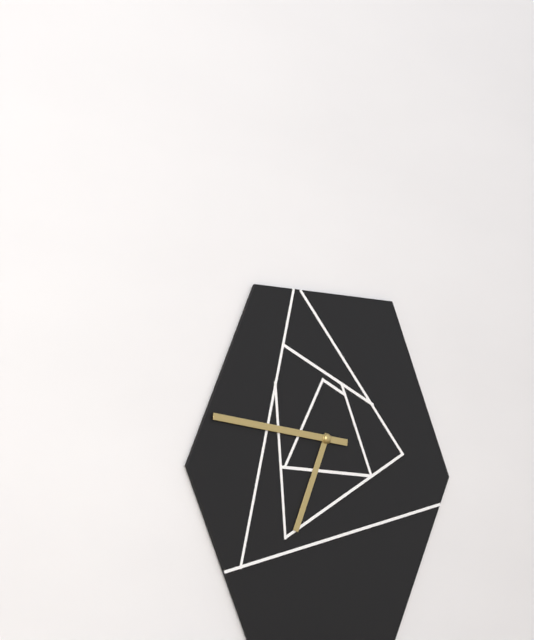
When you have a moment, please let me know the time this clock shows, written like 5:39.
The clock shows 6:46
